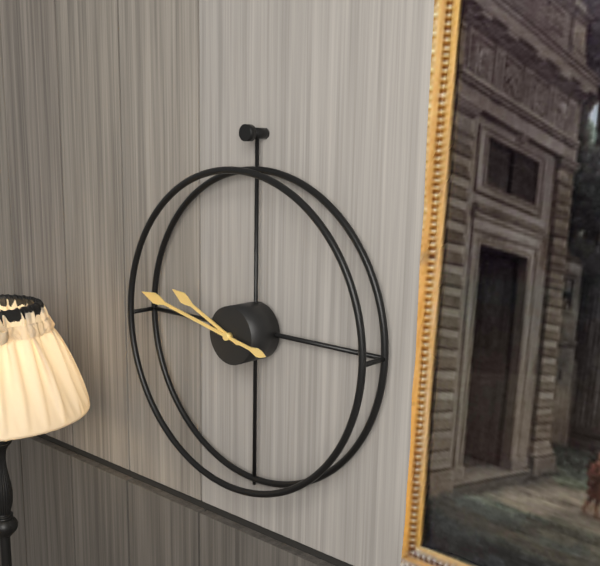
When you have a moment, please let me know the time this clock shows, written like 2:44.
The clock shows 9:47
